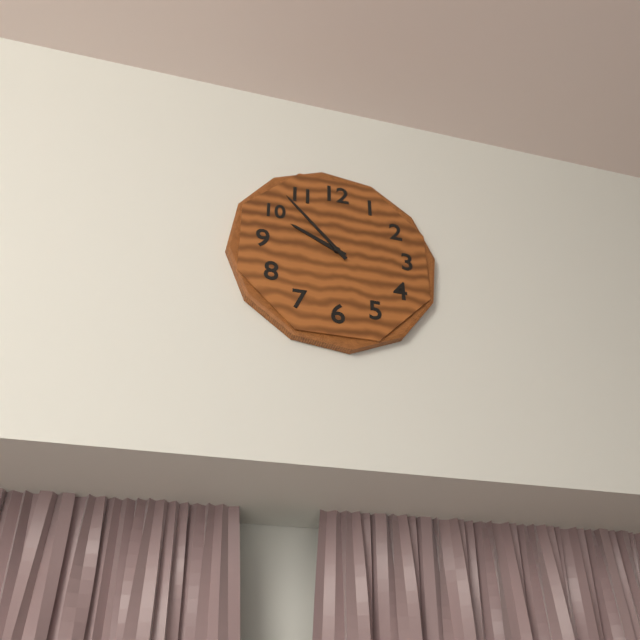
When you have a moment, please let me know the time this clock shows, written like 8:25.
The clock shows 9:53
